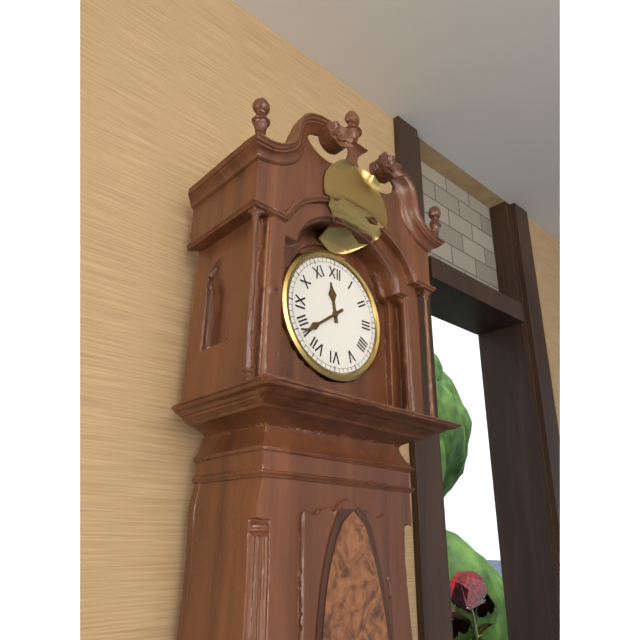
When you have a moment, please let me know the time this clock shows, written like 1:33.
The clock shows 11:39
